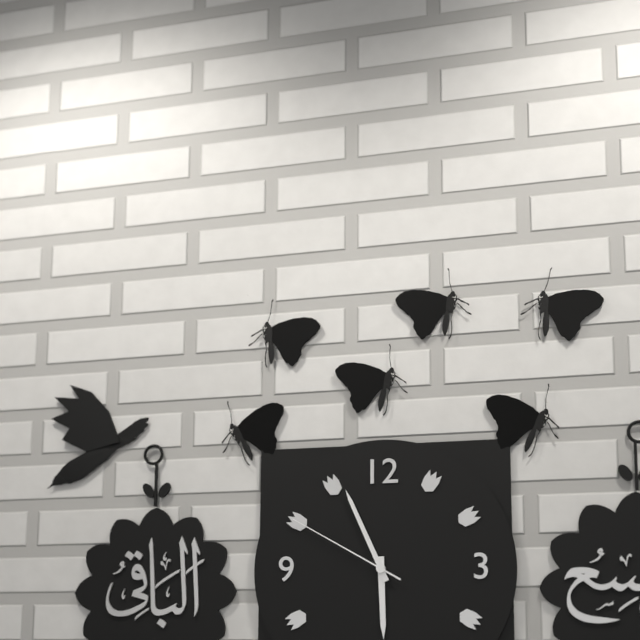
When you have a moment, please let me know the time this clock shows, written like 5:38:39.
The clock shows 5:56:50
